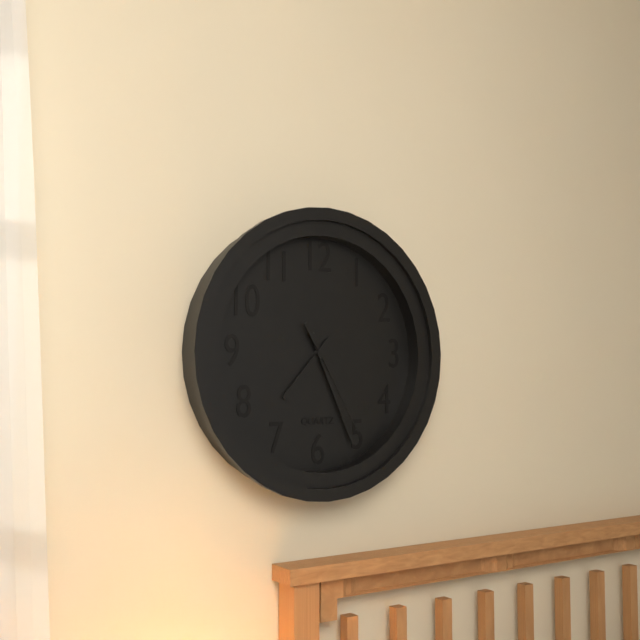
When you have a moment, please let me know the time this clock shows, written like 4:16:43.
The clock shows 7:26:25
